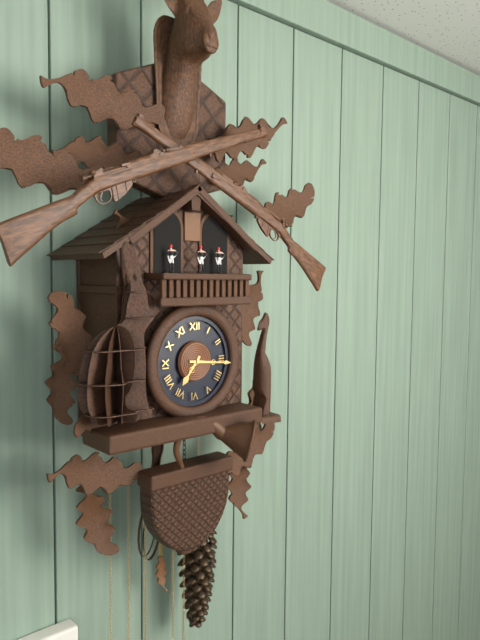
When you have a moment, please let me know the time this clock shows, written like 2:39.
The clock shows 7:16
